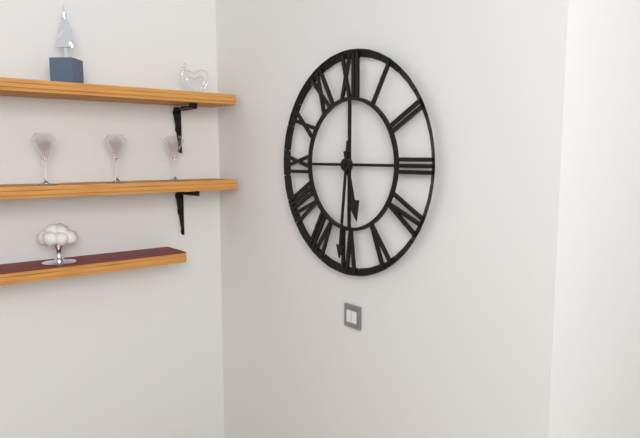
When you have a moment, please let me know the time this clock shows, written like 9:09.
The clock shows 5:31
